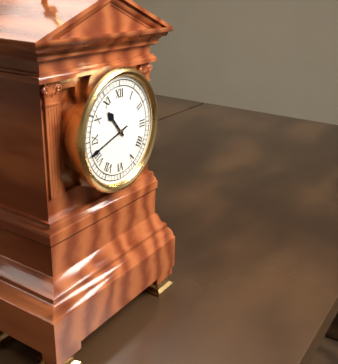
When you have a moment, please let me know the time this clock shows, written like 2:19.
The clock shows 10:42
